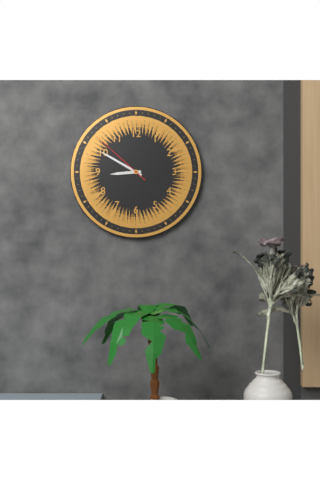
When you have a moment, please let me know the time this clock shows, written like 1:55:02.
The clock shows 8:50:52
